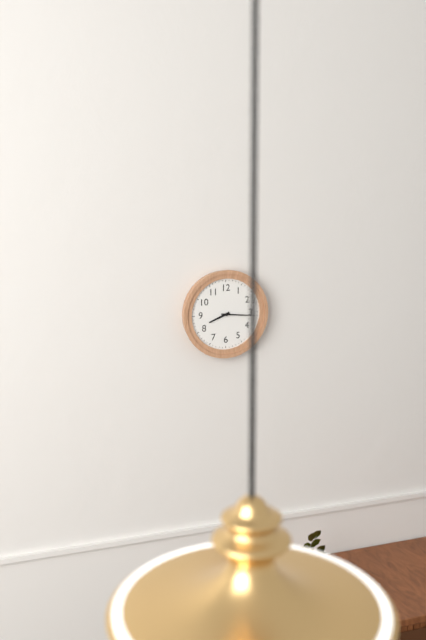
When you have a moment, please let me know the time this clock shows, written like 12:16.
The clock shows 8:16
